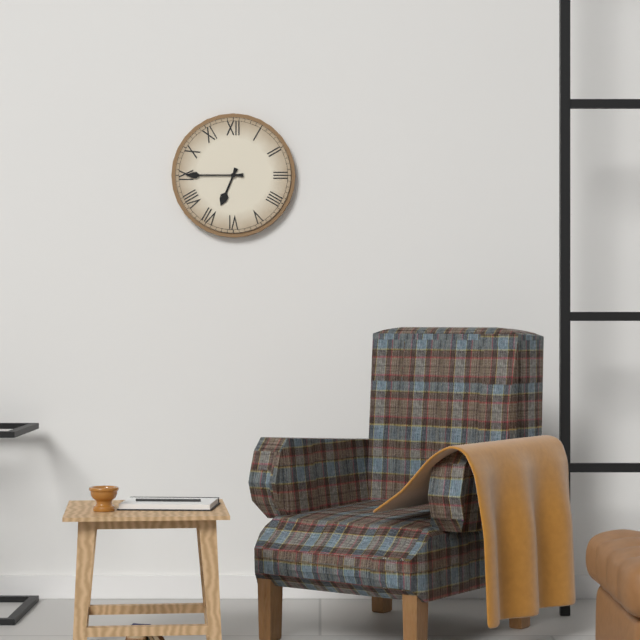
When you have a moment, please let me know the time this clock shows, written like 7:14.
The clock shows 6:45
